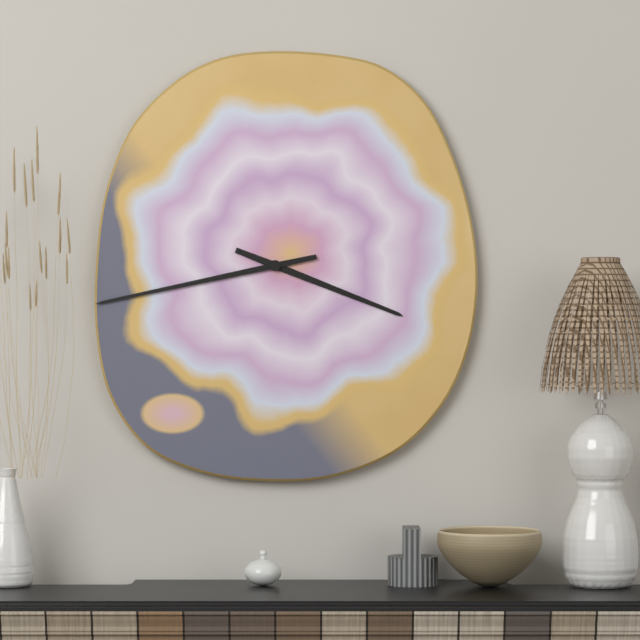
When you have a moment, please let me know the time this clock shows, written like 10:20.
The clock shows 3:43
